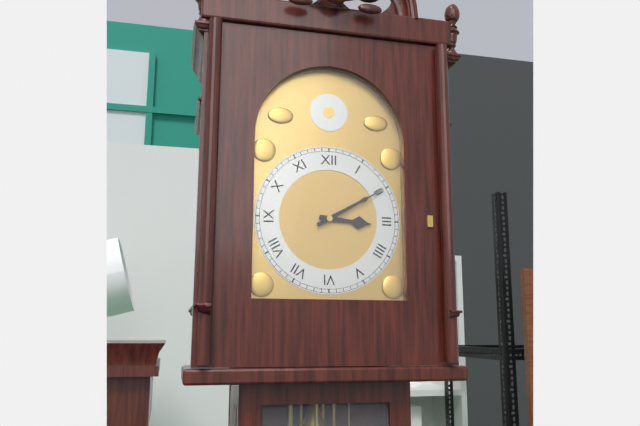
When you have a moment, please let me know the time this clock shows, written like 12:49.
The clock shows 3:10
